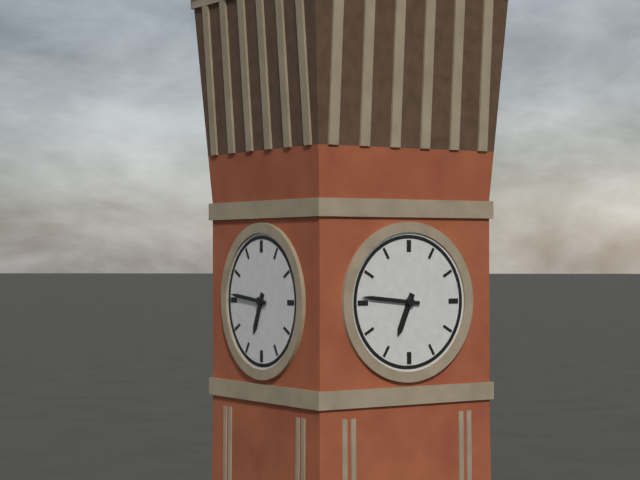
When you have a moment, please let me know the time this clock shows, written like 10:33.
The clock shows 6:46
